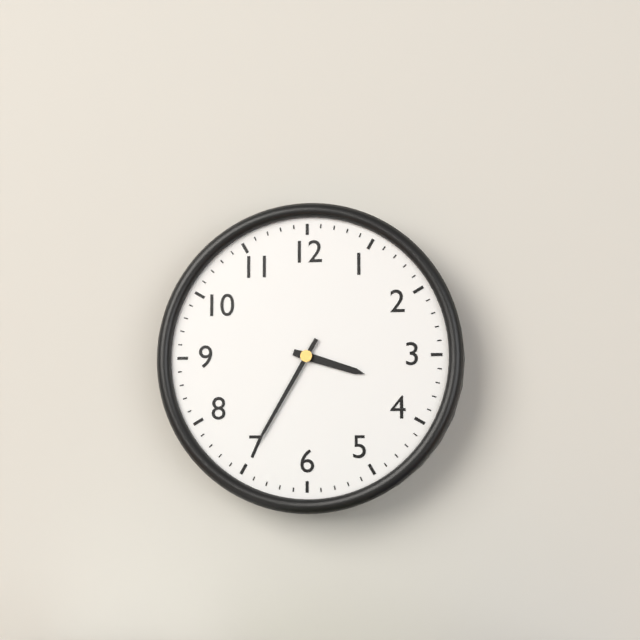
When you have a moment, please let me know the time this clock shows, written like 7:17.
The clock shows 3:35
